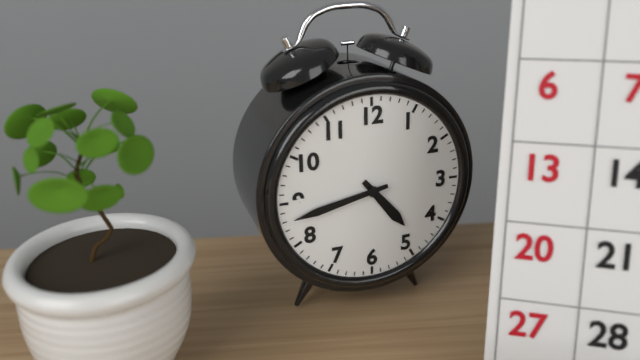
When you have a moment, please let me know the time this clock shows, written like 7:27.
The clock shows 4:43
